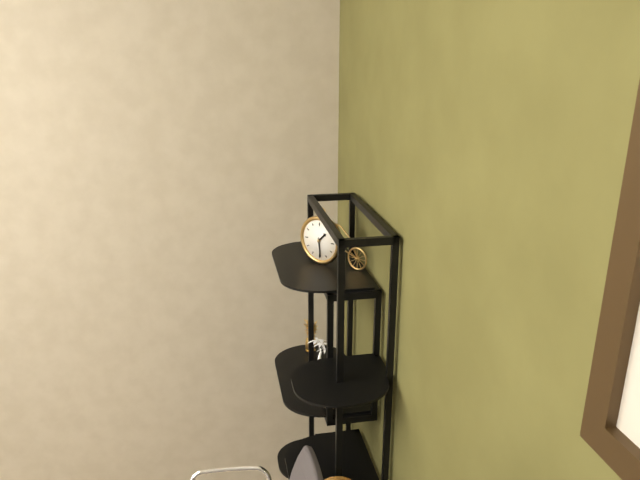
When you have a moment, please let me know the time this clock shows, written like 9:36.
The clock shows 1:29
